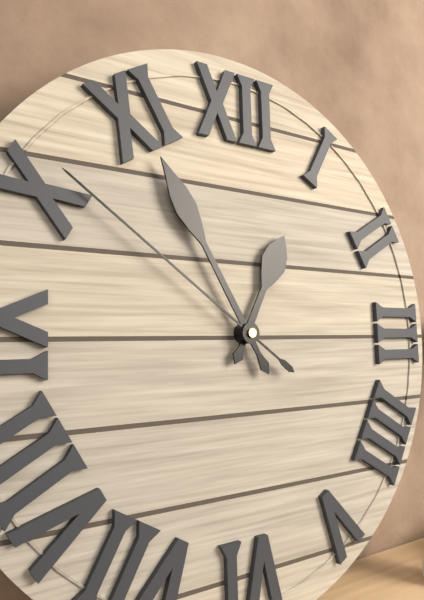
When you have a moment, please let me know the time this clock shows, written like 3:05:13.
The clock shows 12:55:51
